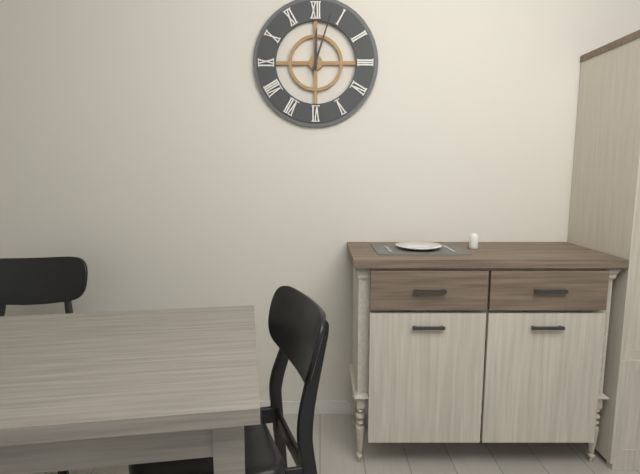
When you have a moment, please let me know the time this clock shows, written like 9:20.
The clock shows 12:03
